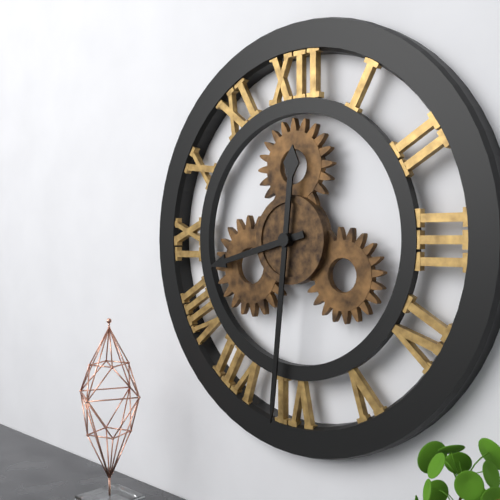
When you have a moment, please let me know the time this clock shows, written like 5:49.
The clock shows 8:31
